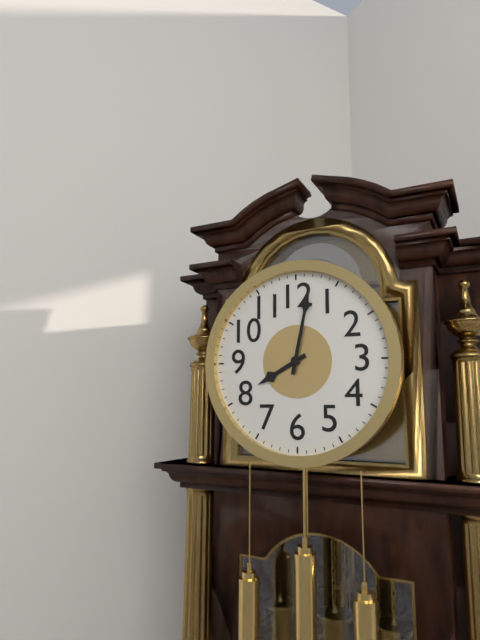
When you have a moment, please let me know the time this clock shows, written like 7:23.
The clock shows 8:02
